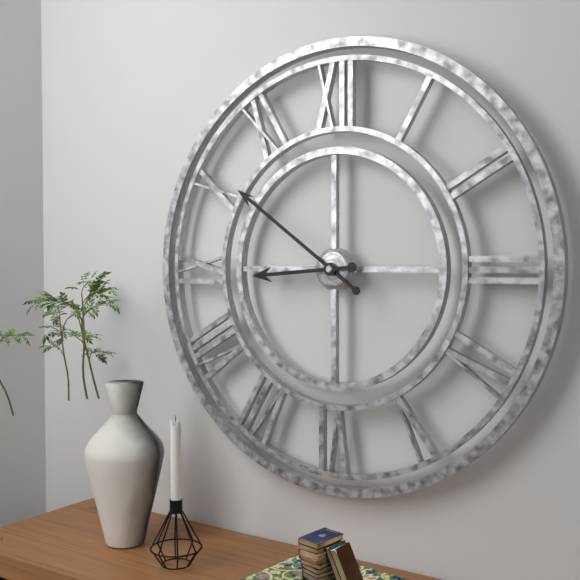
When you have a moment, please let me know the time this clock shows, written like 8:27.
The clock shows 8:51
